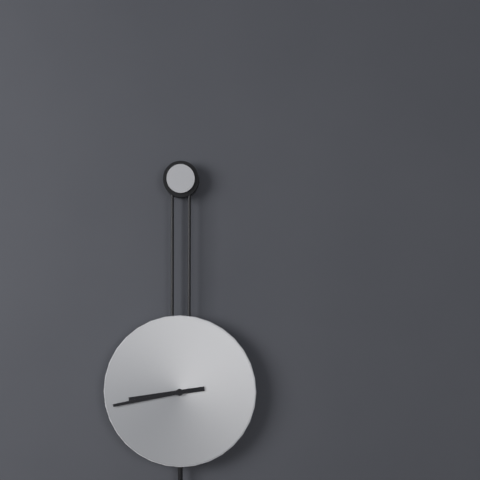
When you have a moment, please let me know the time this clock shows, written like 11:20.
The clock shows 8:43
